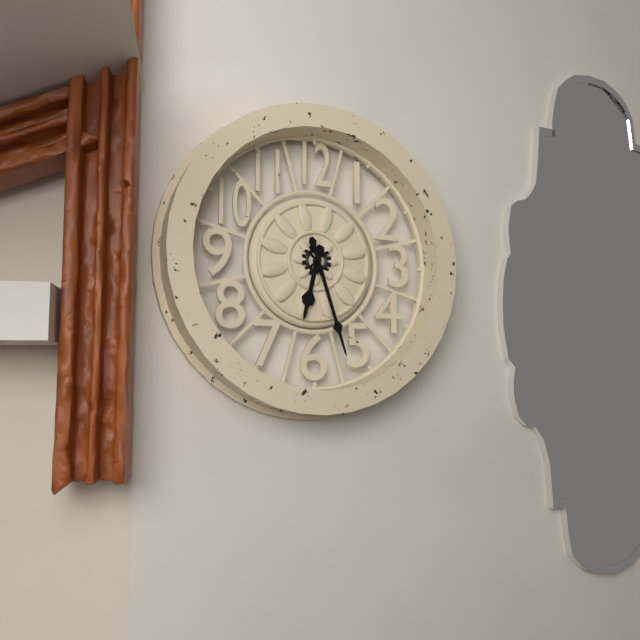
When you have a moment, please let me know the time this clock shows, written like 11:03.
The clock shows 6:27
